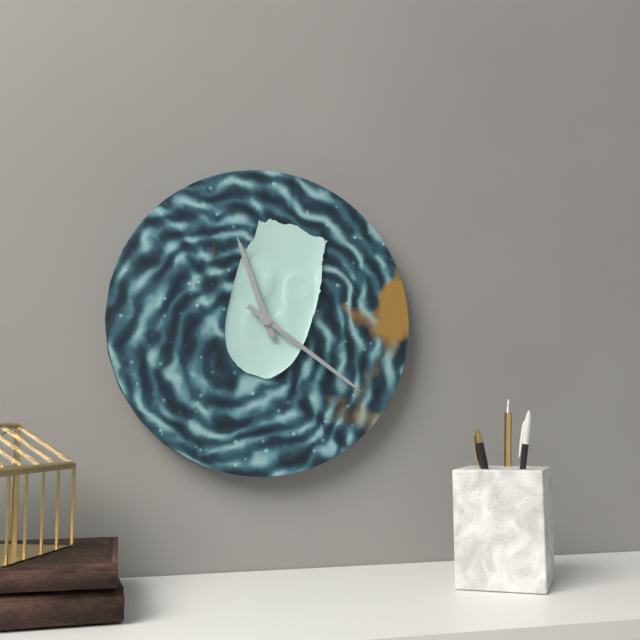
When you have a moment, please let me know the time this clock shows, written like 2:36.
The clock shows 11:21
